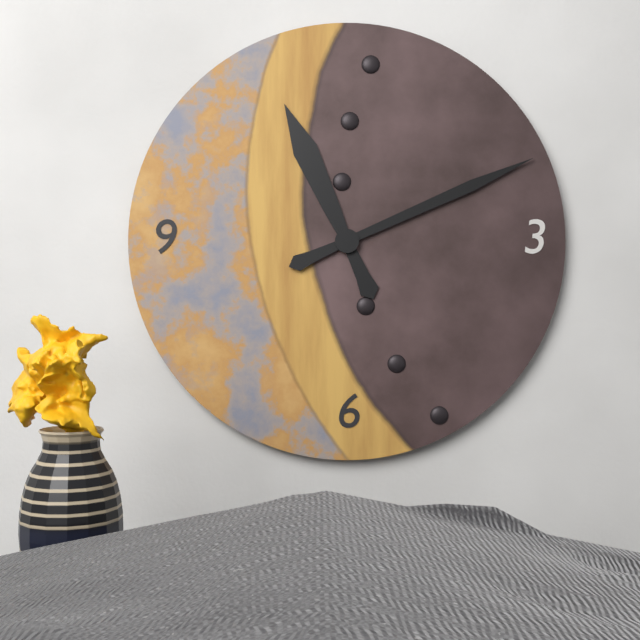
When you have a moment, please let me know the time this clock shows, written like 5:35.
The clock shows 11:11
